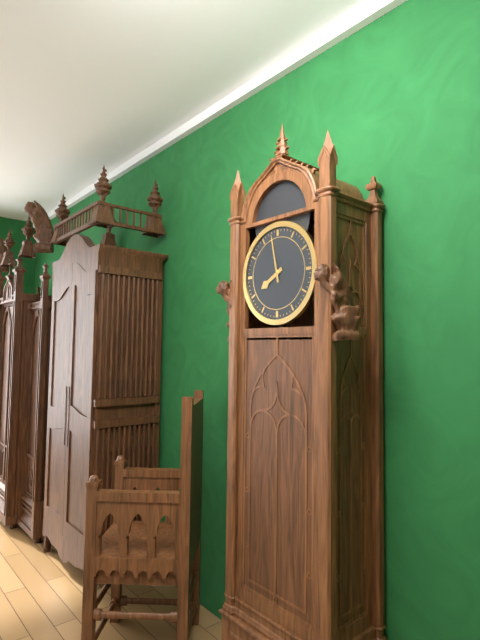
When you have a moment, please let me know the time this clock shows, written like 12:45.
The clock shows 7:58
